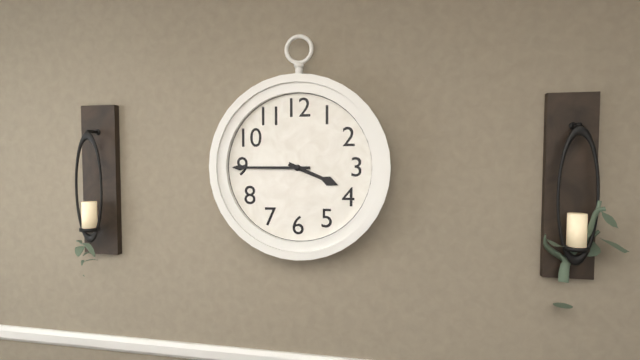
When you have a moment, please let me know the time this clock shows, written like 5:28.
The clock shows 3:45
